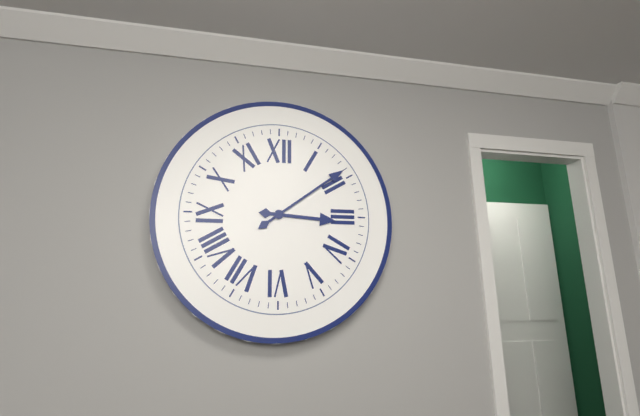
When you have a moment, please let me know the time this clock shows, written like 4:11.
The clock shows 3:09
